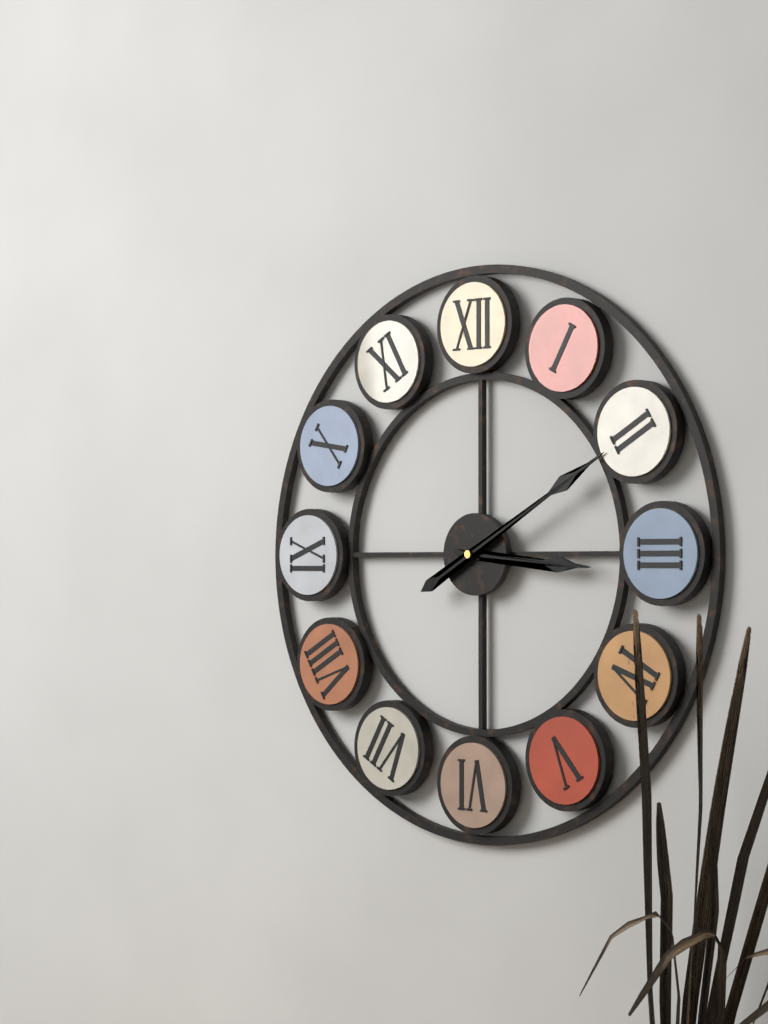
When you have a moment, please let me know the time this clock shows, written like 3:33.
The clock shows 3:10
